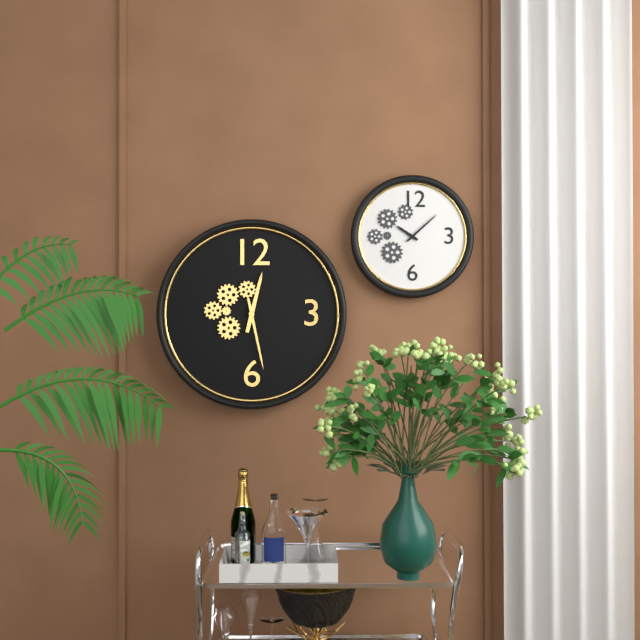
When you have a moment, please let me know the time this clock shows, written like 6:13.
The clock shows 12:28
